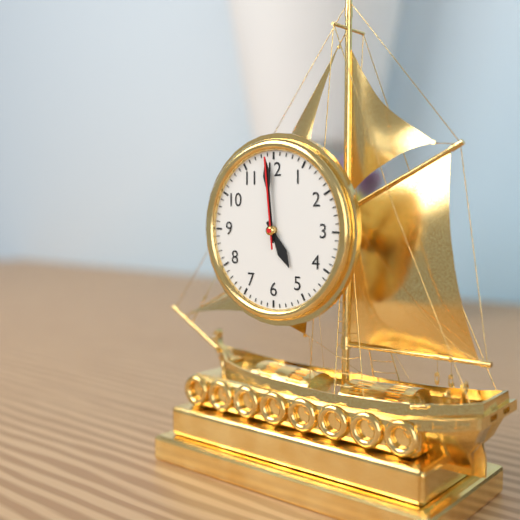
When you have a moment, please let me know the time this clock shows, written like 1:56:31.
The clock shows 4:59:59
